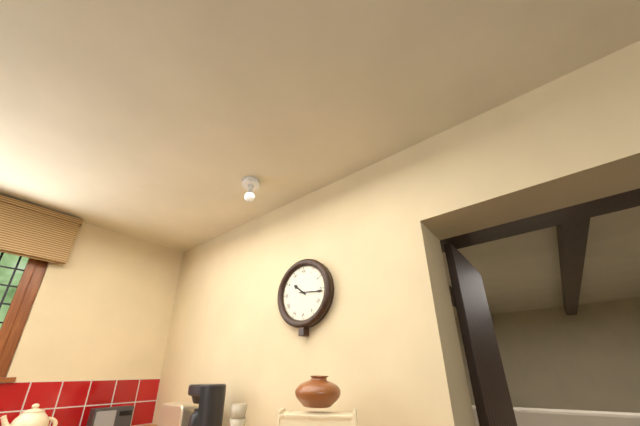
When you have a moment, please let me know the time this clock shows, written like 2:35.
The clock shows 10:16
